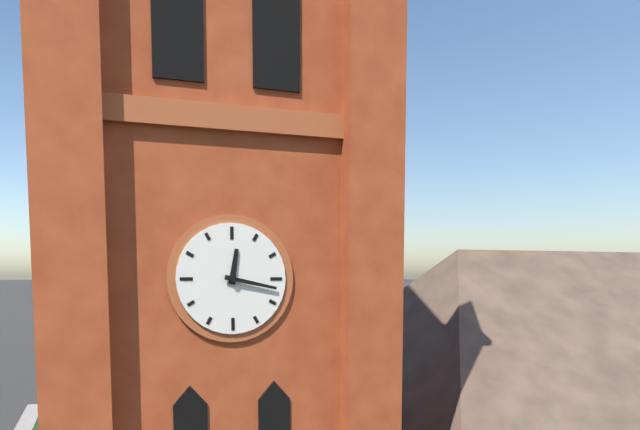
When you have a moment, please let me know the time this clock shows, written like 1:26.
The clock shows 12:17
